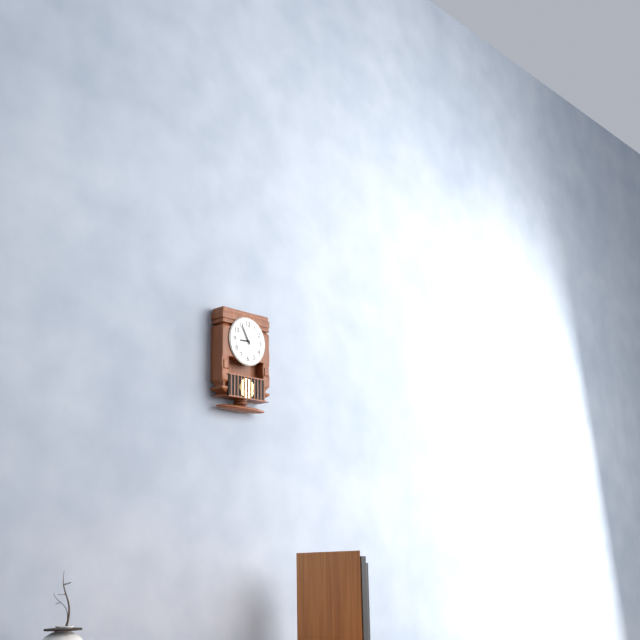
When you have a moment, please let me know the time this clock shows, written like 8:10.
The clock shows 8:55
